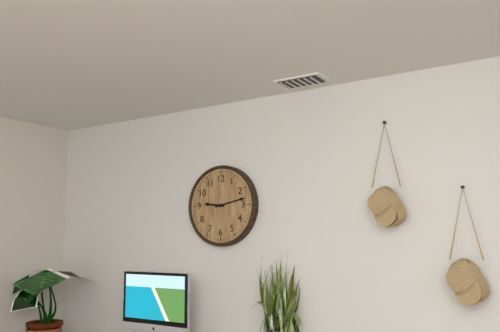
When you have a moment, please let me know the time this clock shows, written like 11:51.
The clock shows 9:13
